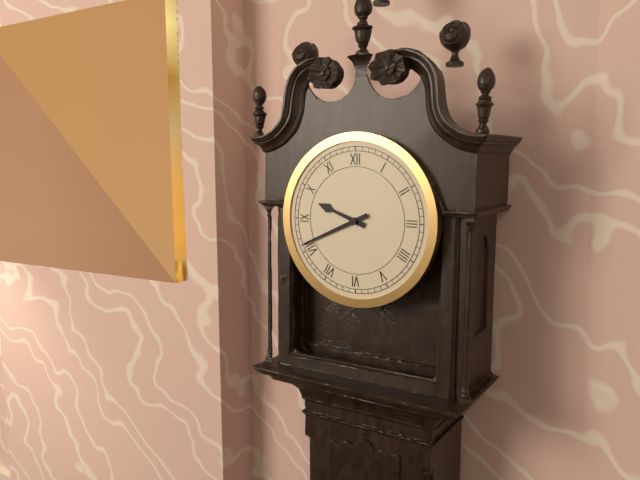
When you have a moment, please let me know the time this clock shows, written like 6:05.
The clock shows 9:41
